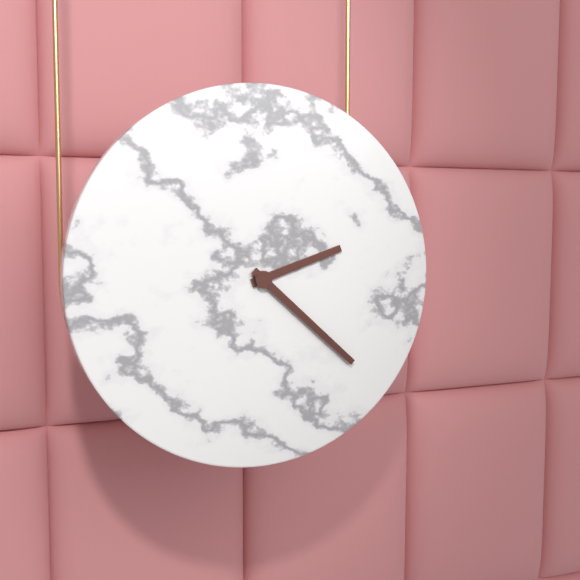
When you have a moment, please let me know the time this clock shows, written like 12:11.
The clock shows 2:22
